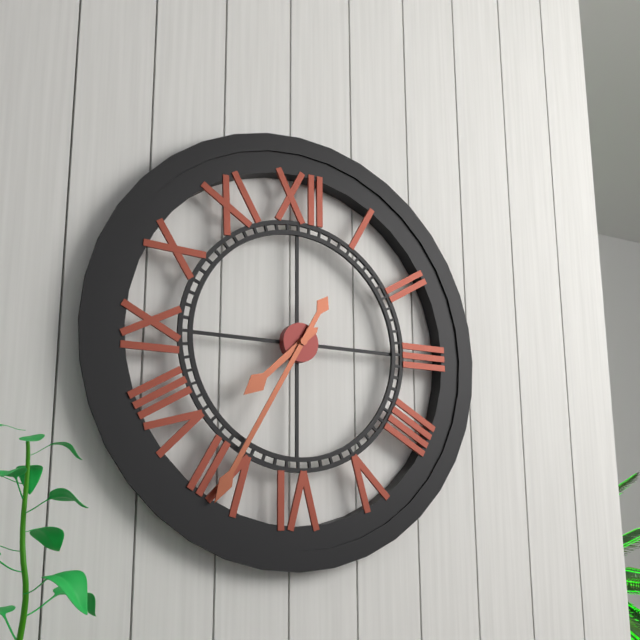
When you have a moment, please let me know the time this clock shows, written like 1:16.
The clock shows 7:35
